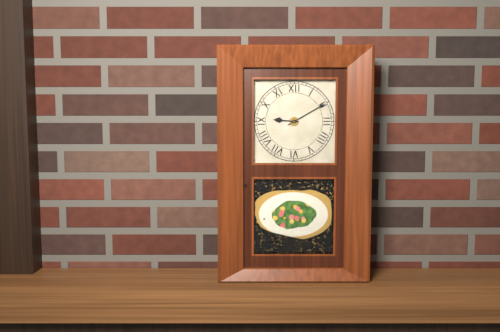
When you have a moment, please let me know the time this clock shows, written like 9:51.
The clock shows 9:10
